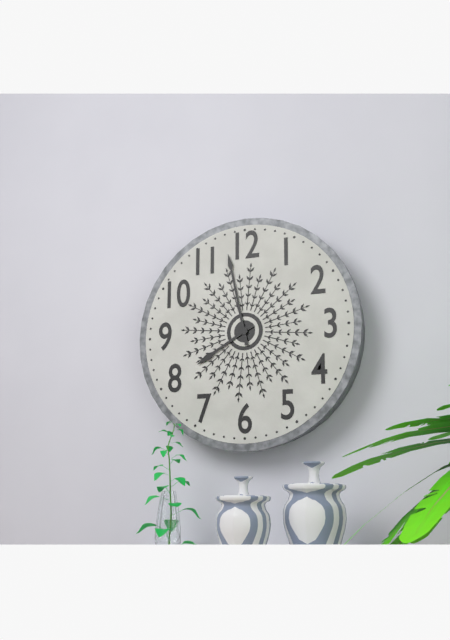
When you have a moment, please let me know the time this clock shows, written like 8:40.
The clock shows 7:58
